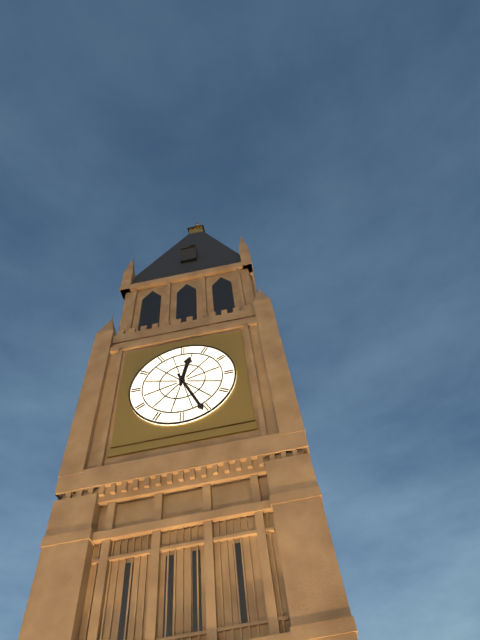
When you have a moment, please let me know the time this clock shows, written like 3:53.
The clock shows 12:26
